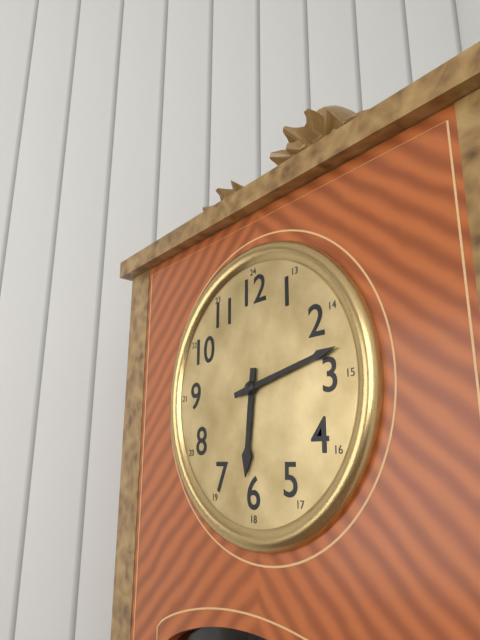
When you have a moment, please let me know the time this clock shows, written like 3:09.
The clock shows 6:13
